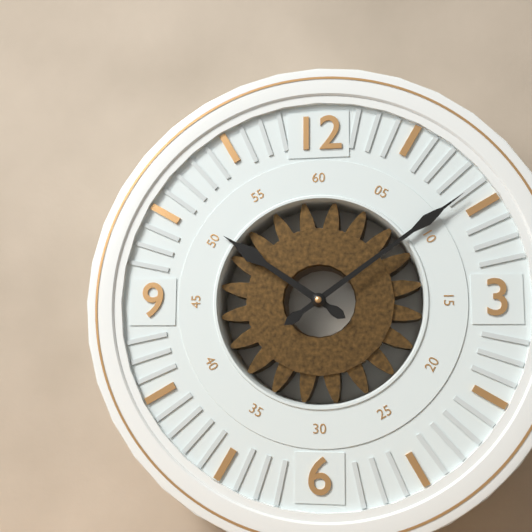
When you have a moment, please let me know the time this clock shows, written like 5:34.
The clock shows 10:09
